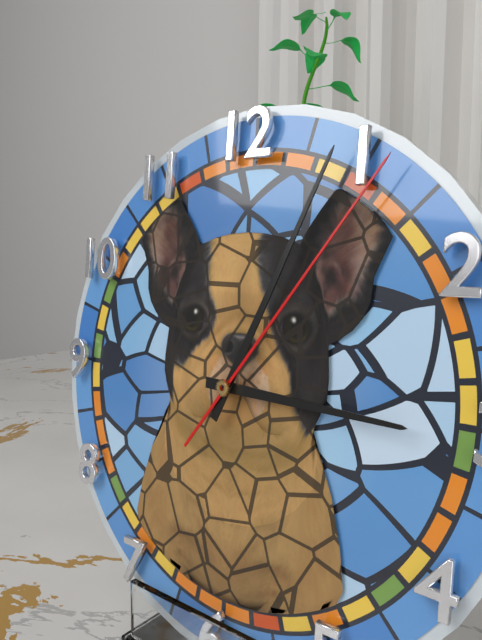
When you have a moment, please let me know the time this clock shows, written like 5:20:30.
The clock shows 3:04:06
